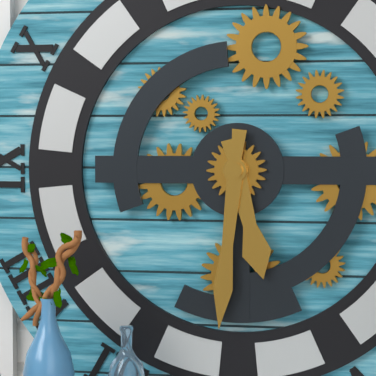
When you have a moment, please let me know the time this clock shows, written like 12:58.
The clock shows 5:31
